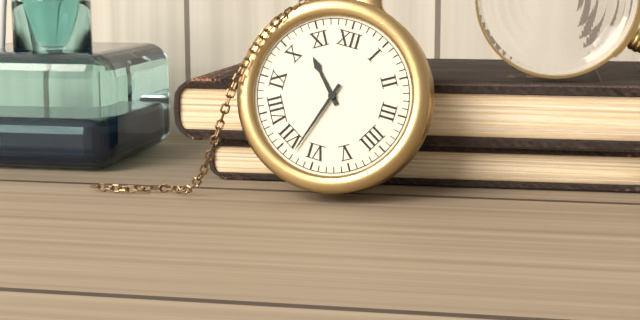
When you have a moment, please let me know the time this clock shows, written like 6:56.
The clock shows 10:33
